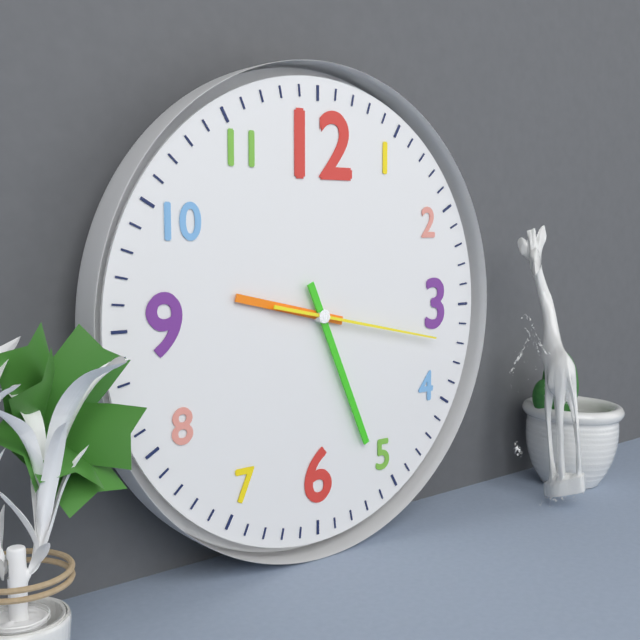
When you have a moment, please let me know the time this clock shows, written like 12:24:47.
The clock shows 9:26:17
